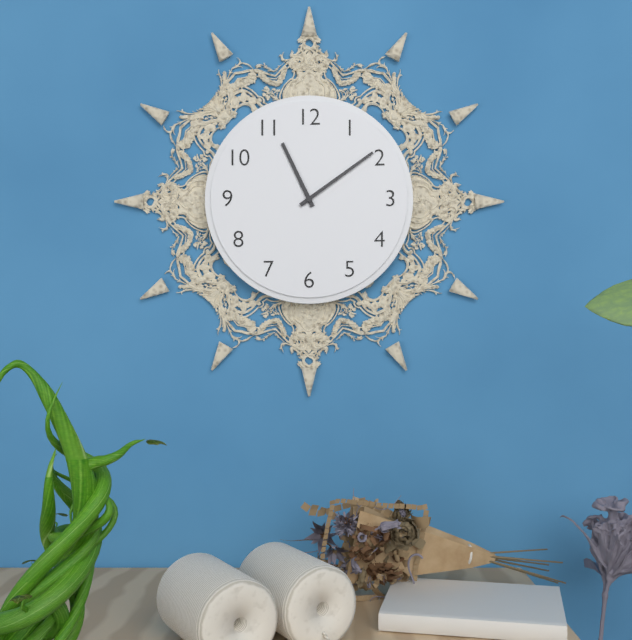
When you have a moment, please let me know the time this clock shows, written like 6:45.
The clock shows 11:09
